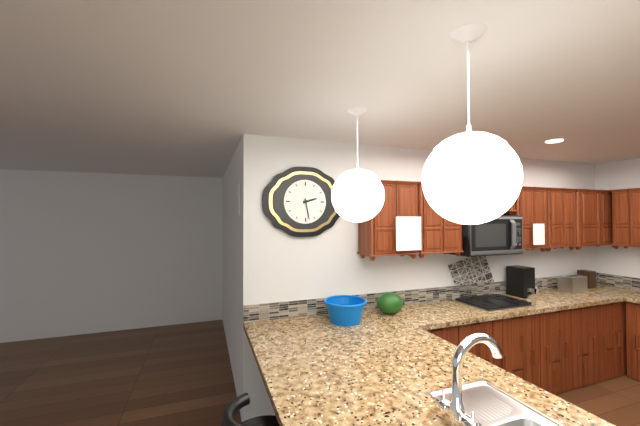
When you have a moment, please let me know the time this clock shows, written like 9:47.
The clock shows 2:28
